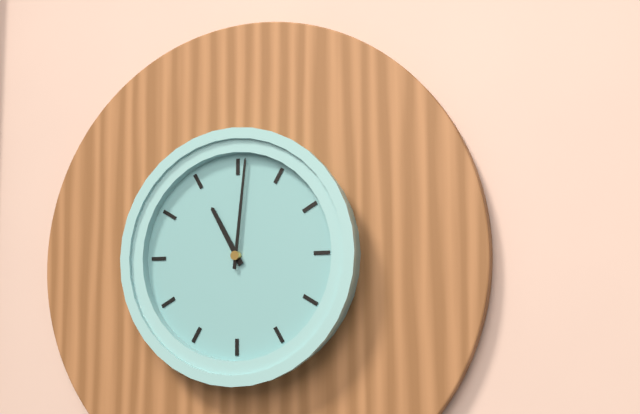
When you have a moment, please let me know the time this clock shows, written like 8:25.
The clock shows 11:01
